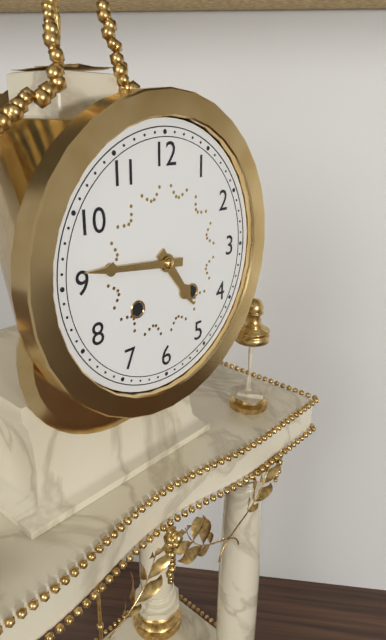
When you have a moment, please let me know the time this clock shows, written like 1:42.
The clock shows 4:46
